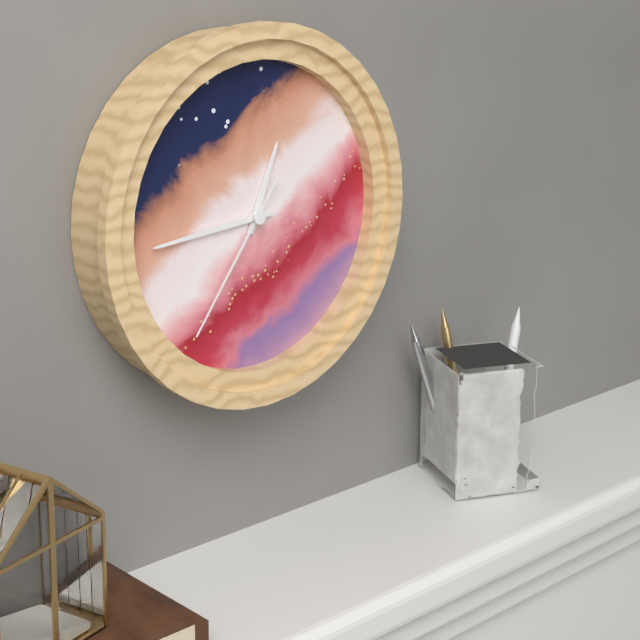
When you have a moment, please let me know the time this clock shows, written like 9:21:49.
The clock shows 12:44:36
